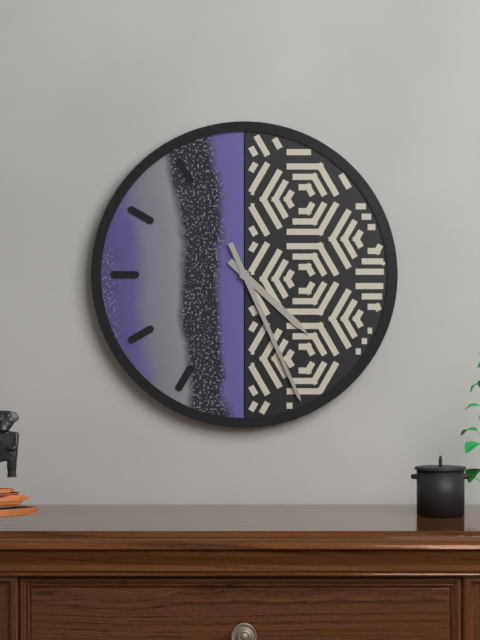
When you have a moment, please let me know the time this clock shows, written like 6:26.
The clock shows 4:26
